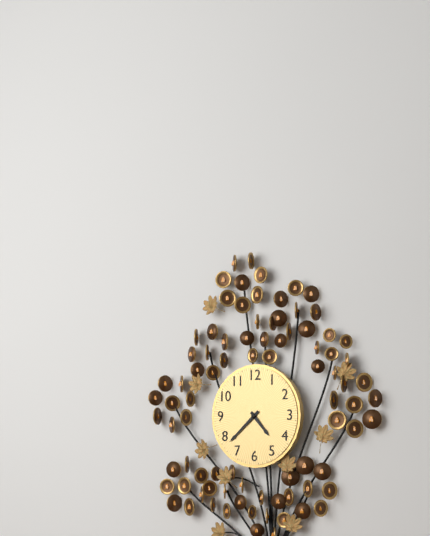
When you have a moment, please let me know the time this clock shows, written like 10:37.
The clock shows 4:38
